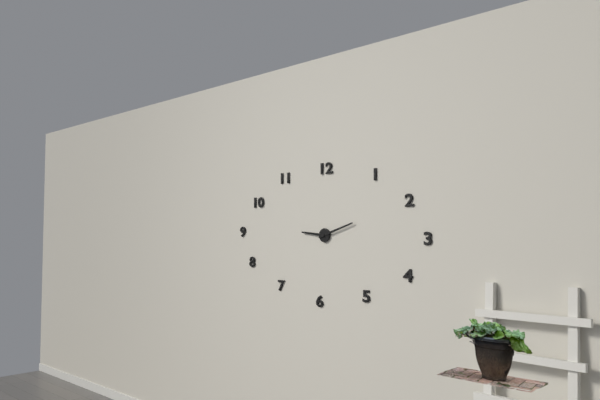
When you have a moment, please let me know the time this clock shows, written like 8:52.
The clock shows 9:12
